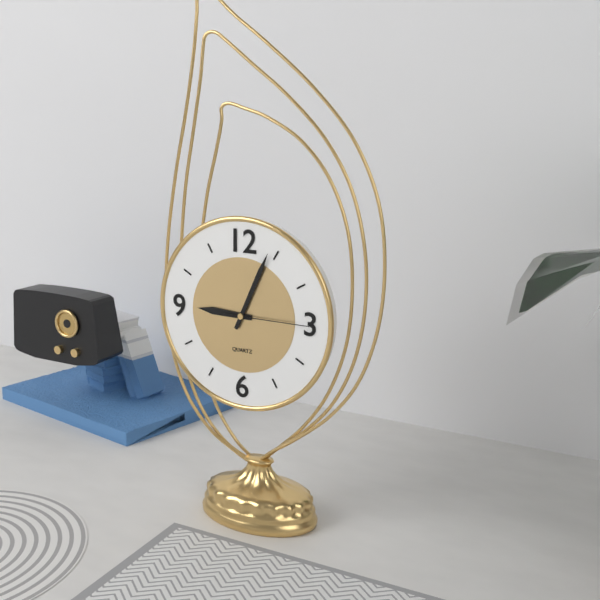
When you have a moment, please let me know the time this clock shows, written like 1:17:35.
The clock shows 9:04:15
